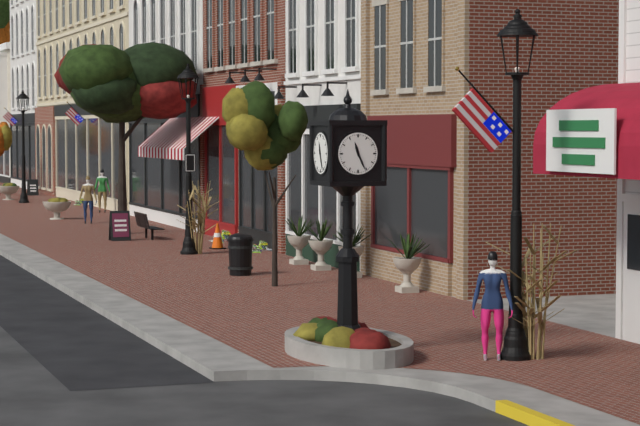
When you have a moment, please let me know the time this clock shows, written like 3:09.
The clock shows 11:26
